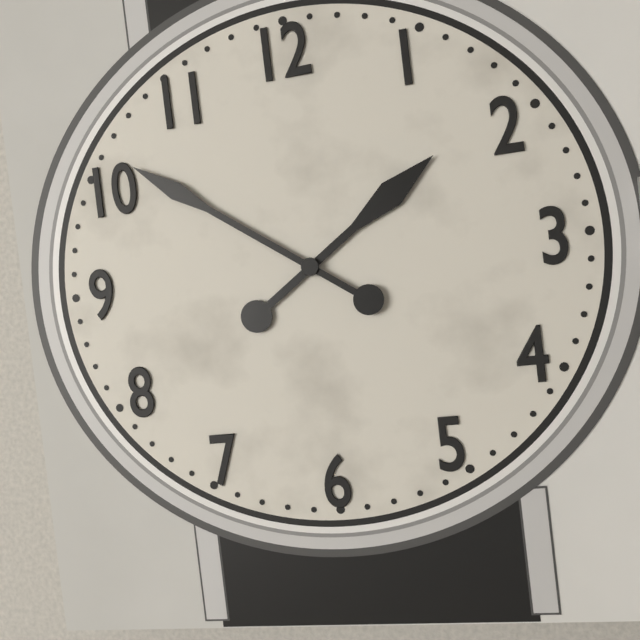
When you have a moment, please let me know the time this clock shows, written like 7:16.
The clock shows 1:51
